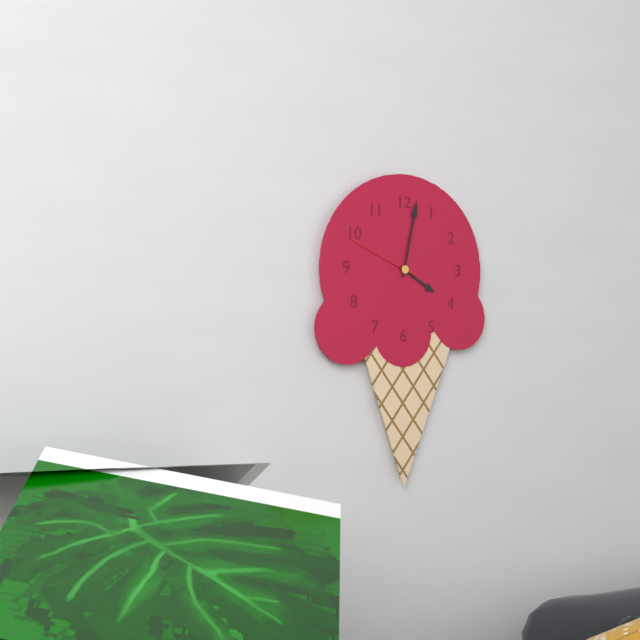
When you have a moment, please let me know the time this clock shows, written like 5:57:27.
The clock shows 4:02:49
